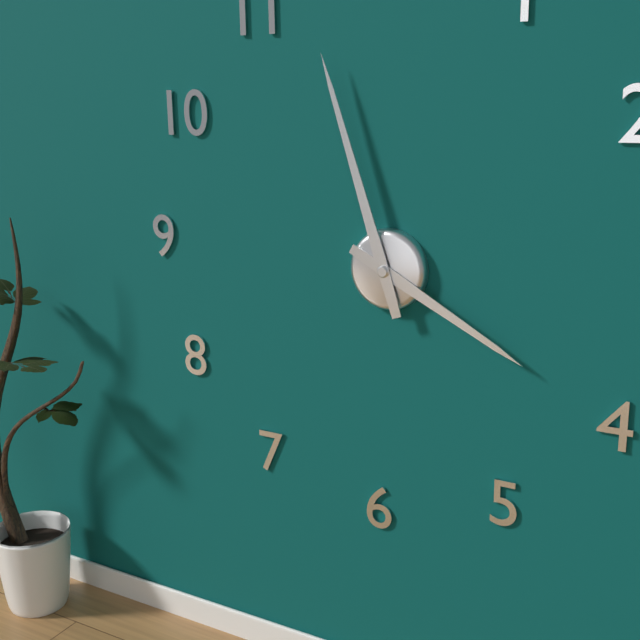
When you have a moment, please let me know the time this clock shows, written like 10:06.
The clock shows 3:57
